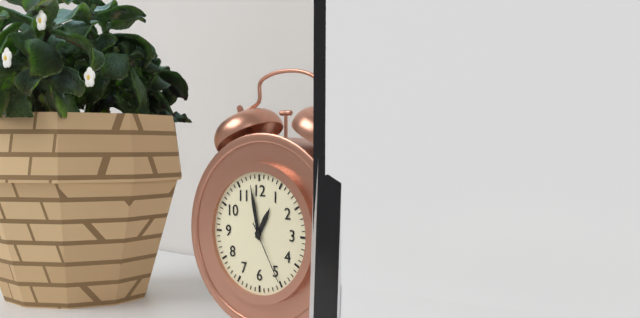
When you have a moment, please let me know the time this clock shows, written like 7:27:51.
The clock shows 12:58:25
